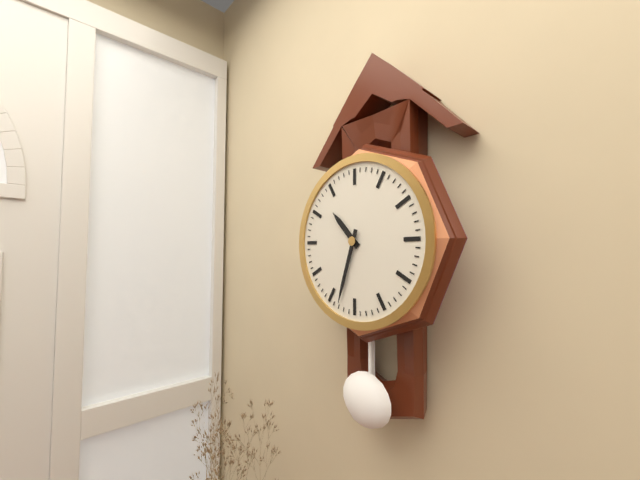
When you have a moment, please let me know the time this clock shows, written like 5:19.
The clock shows 10:33
